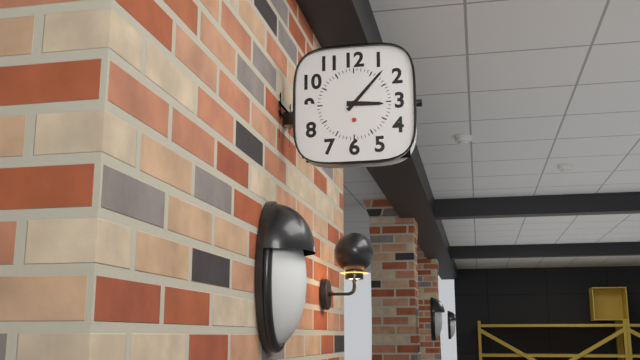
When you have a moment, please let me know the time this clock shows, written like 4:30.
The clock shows 3:07
